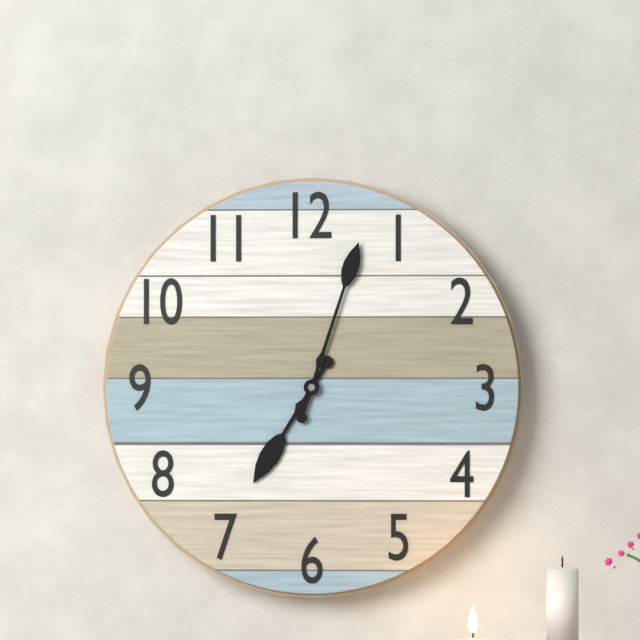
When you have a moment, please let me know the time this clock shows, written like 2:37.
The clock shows 7:03
